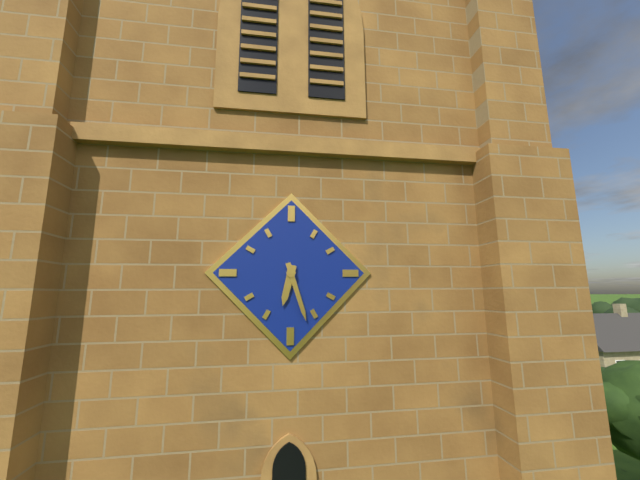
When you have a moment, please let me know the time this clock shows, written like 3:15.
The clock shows 6:27
